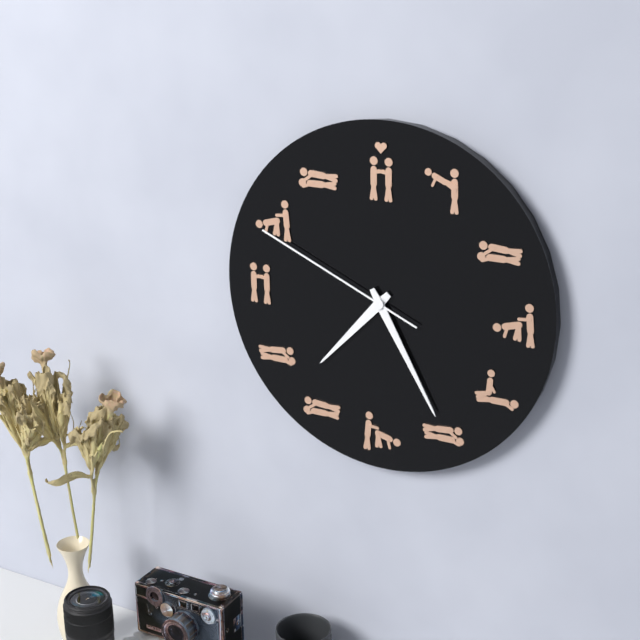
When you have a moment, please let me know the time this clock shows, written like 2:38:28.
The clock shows 7:25:49
